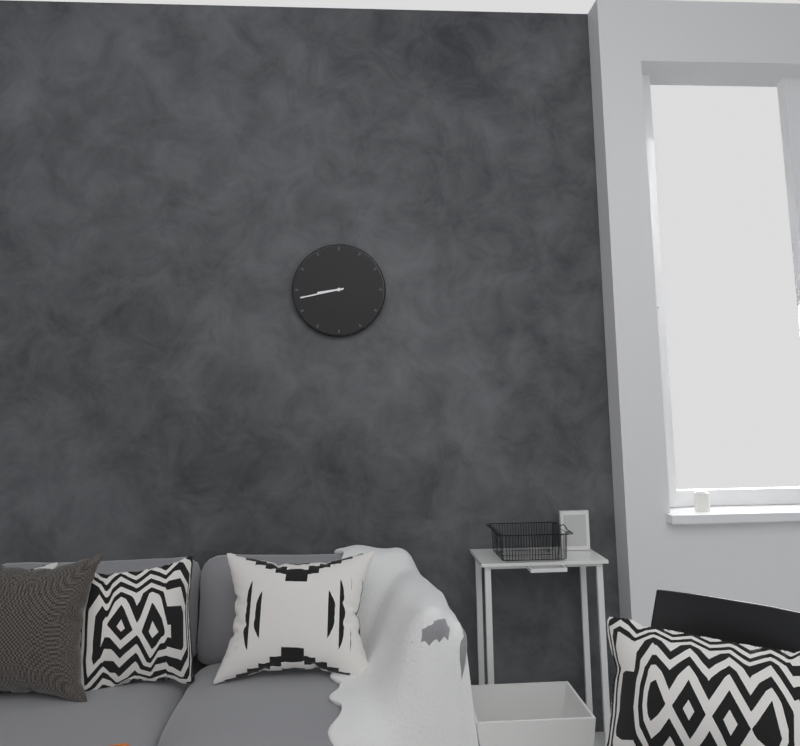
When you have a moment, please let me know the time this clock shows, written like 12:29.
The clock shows 8:43
